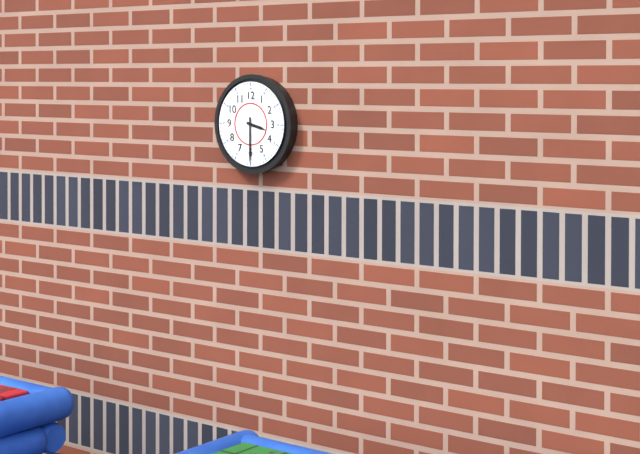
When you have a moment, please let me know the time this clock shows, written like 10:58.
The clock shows 3:30
